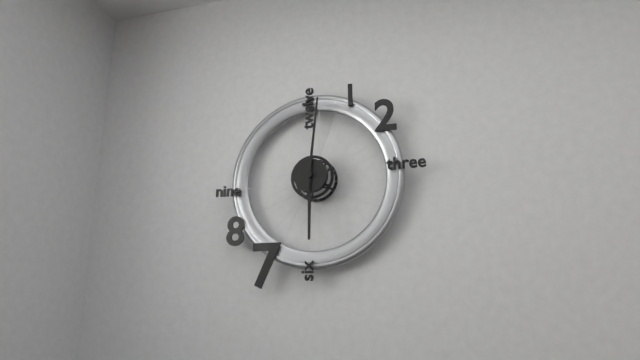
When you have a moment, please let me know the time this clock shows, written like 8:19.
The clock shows 6:01
